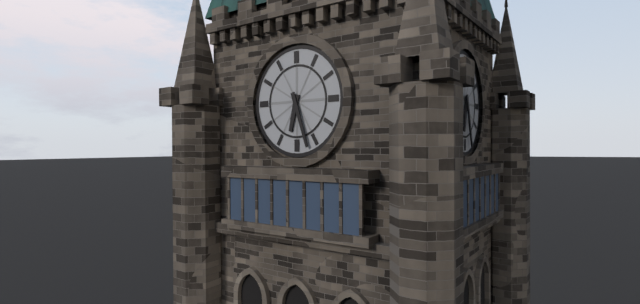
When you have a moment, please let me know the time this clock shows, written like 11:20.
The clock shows 6:27
